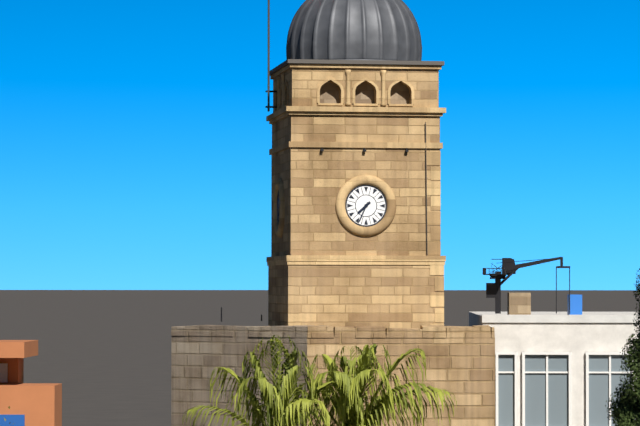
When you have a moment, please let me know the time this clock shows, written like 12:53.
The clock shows 7:34
